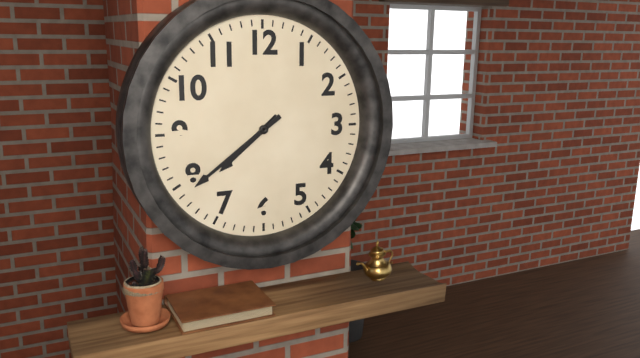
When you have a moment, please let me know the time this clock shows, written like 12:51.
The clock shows 7:39
